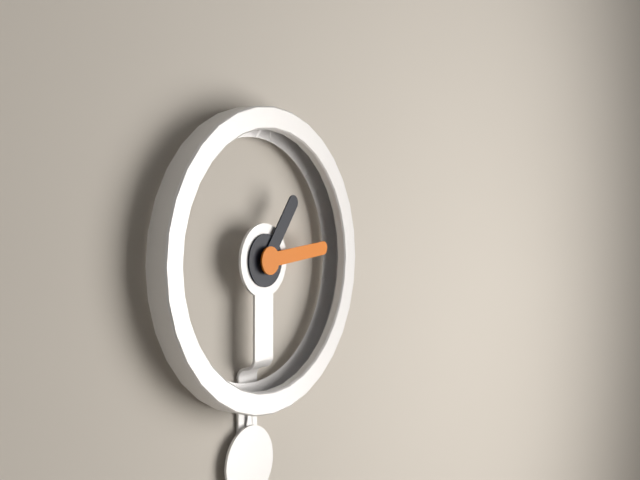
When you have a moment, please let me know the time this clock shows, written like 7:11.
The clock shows 1:14
